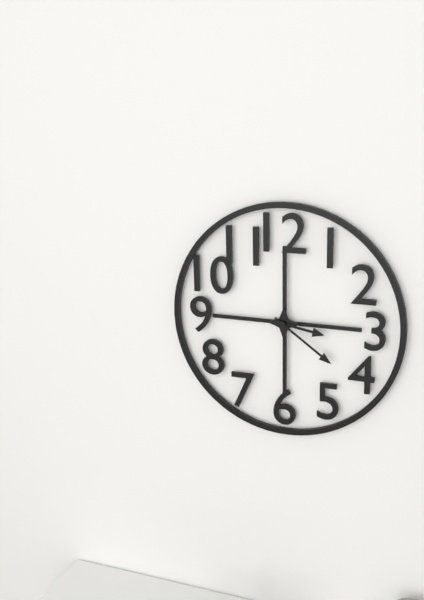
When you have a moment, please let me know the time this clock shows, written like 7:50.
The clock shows 3:21
